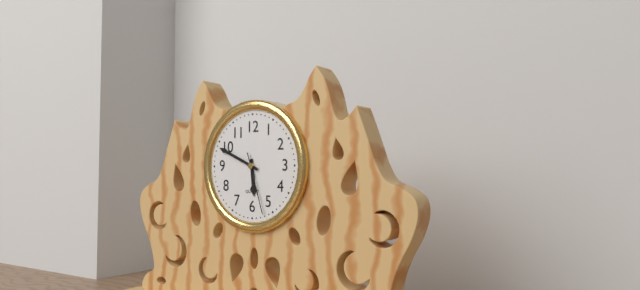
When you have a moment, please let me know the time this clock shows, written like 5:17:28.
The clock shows 5:49:27
